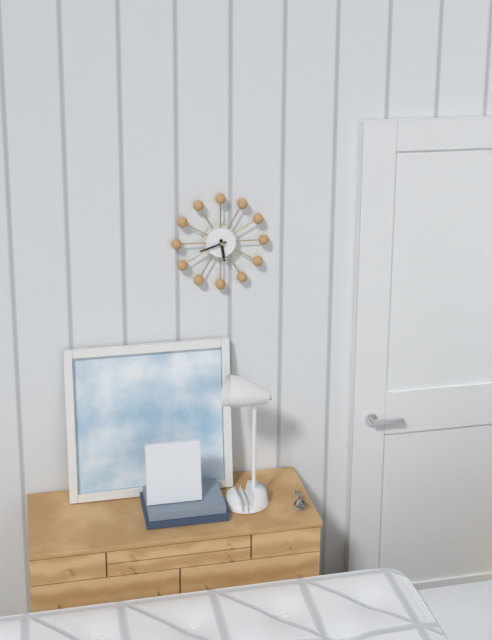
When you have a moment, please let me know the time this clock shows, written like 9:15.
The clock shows 5:42
